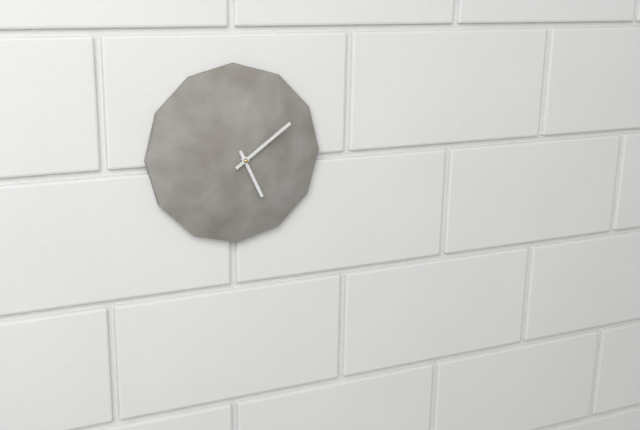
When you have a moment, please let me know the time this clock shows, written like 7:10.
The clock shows 5:09
